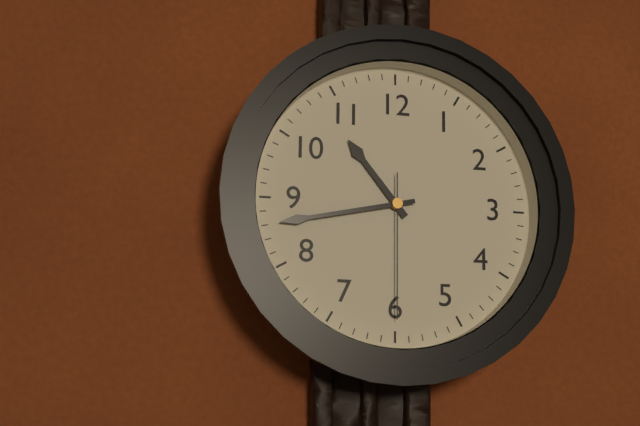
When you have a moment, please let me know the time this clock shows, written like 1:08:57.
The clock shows 10:43:30
